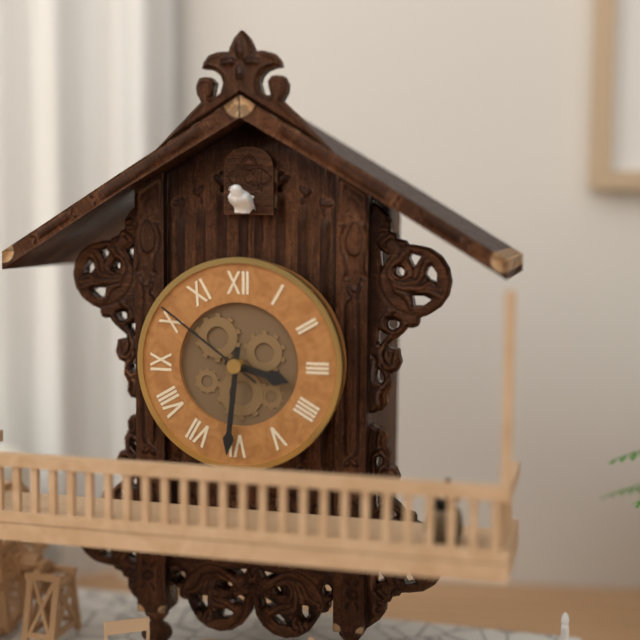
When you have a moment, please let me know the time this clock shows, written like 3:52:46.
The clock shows 3:31:51
